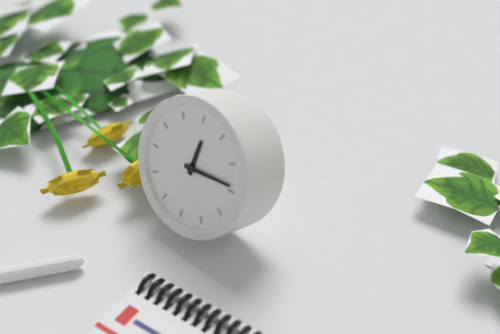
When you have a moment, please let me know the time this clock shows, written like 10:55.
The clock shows 12:14
